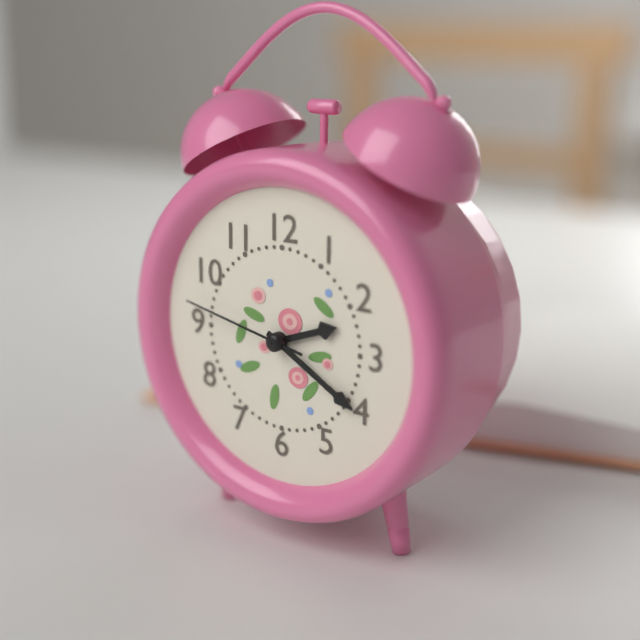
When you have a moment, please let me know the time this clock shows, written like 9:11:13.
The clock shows 2:20:47
